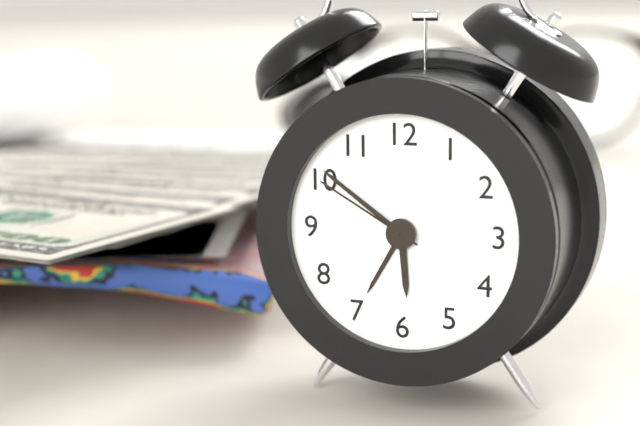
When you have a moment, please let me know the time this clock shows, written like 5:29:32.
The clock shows 5:51:50
